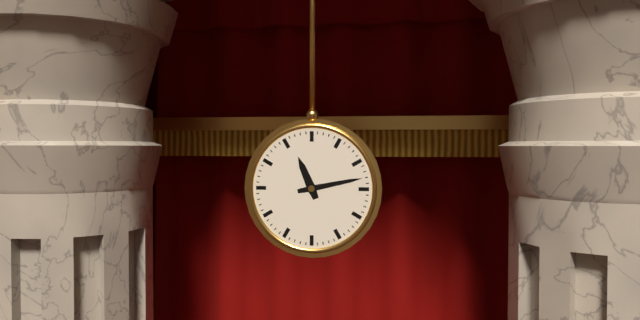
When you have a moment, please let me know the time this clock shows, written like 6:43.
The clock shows 11:13
